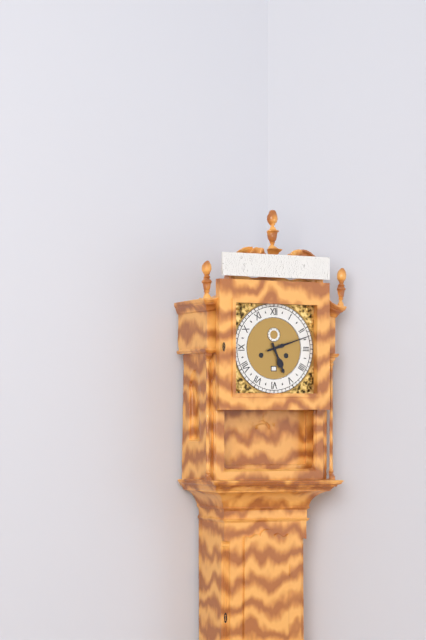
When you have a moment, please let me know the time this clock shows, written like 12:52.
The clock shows 5:12
